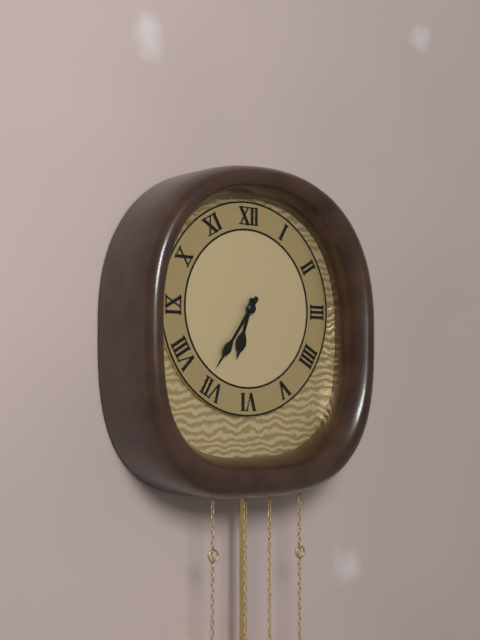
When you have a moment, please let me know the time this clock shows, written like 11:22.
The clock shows 6:36
